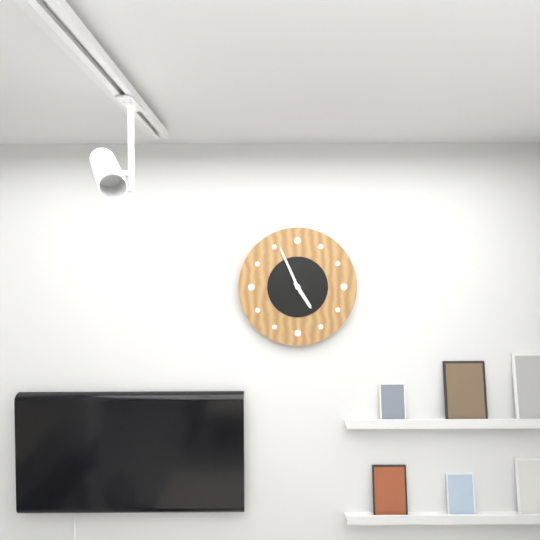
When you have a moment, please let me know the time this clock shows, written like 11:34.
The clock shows 4:56
